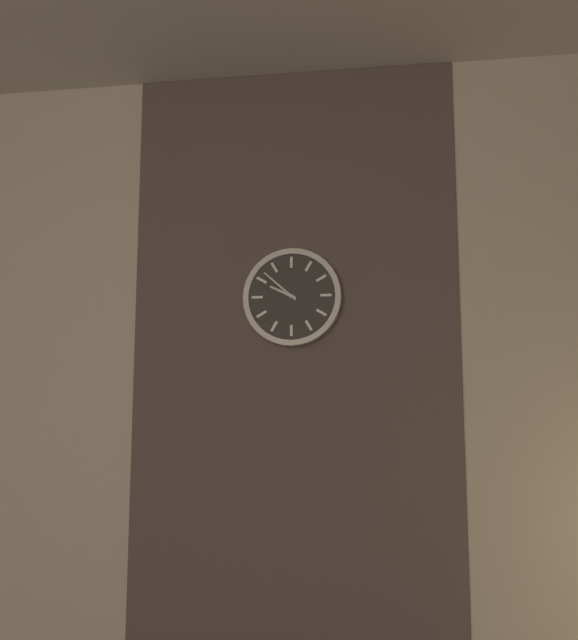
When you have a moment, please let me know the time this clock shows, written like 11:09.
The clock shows 9:52
